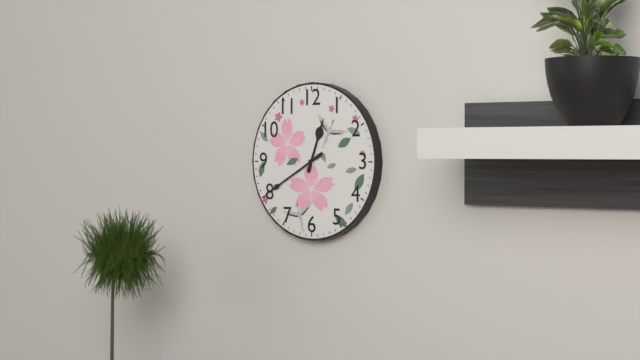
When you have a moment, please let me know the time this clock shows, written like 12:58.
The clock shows 12:40
